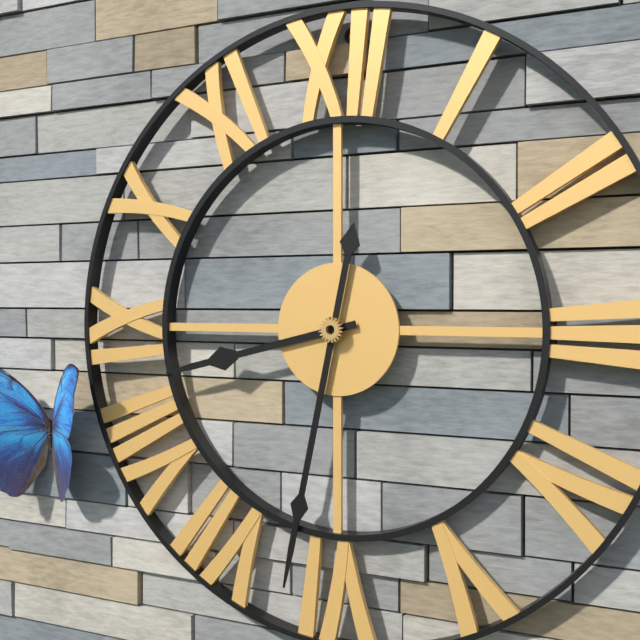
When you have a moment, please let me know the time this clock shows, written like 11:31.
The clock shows 8:32
